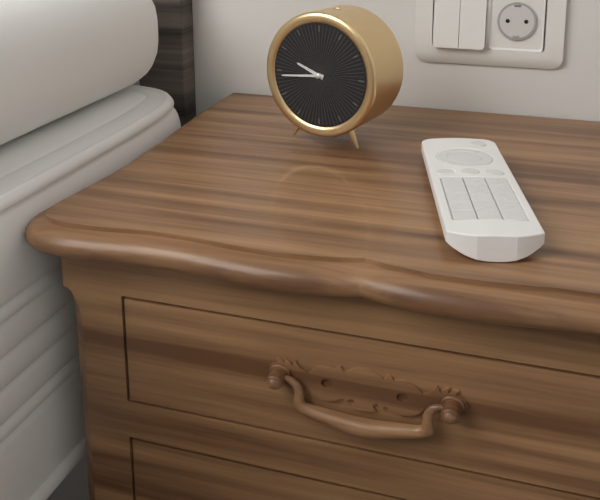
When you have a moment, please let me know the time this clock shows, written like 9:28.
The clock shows 9:44
